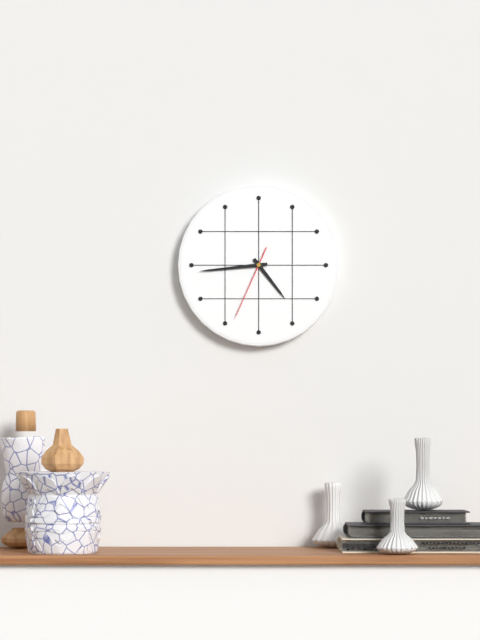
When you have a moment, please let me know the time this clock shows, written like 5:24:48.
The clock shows 4:44:34
